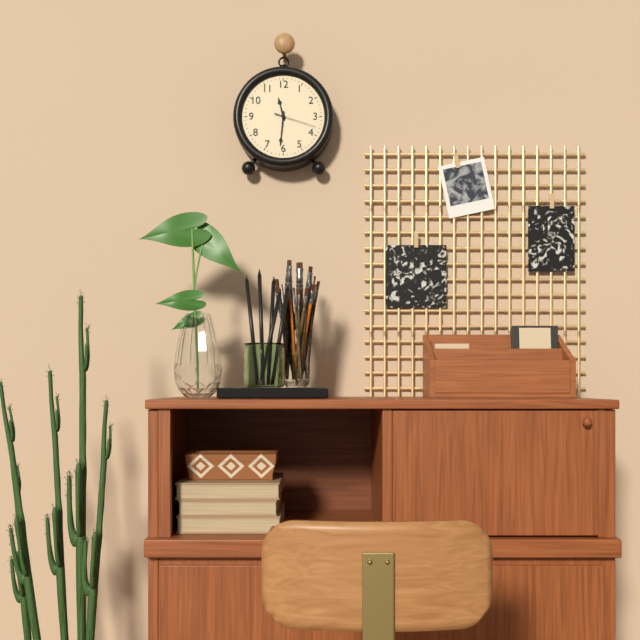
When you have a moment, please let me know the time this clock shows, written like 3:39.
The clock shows 11:31
